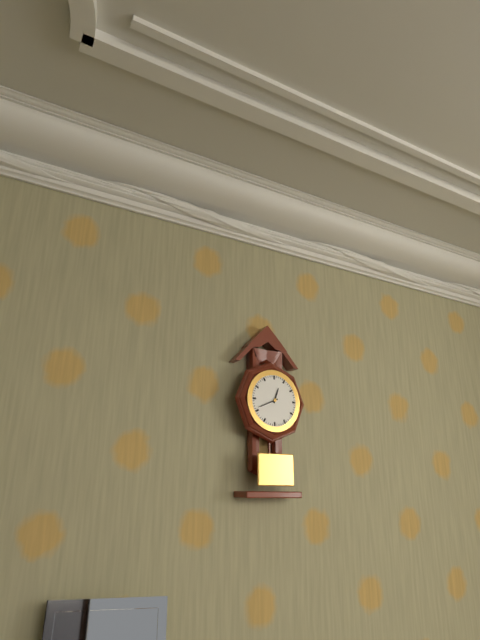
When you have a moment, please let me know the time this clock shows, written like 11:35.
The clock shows 12:41
